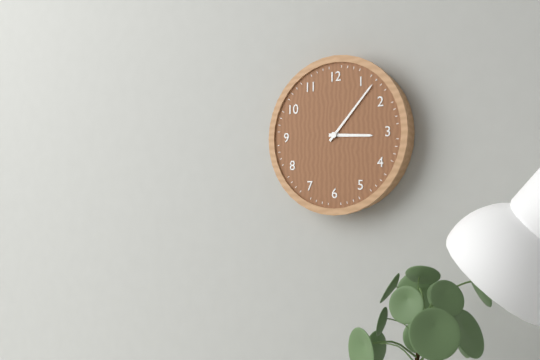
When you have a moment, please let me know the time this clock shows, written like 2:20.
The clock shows 3:07
